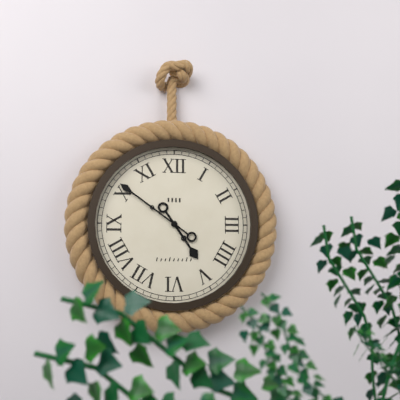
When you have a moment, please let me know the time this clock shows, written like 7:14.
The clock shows 4:51
